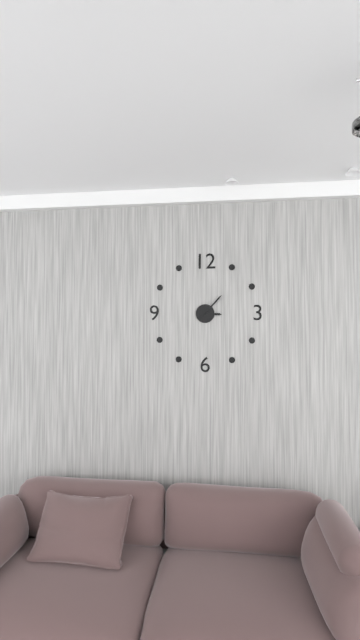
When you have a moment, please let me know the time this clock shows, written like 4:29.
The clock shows 3:07
